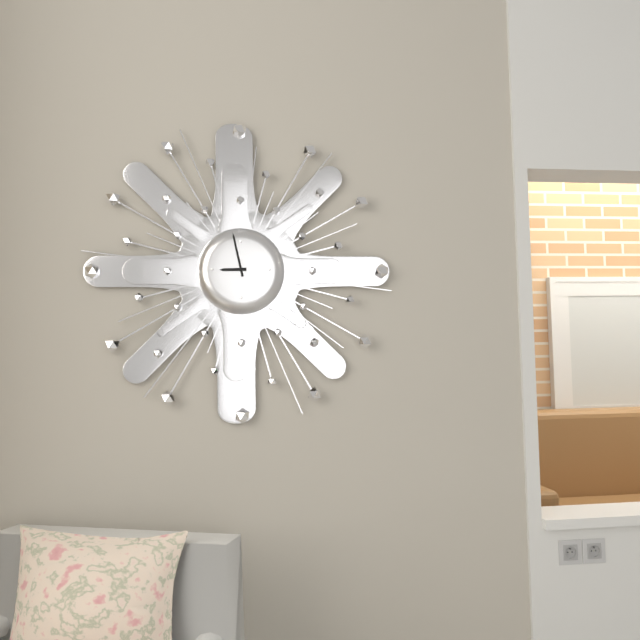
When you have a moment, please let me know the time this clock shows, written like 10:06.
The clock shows 8:58
